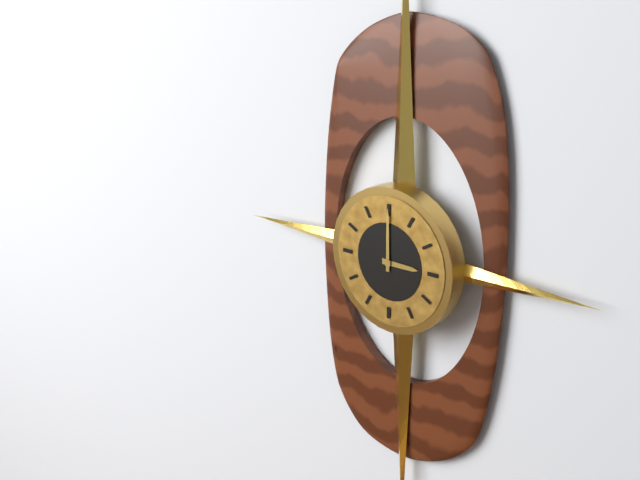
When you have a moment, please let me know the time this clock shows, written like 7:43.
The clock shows 3:00
